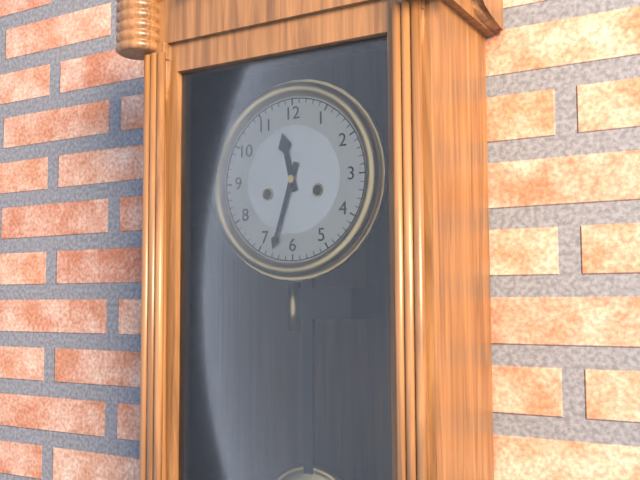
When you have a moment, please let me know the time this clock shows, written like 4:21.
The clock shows 11:33
